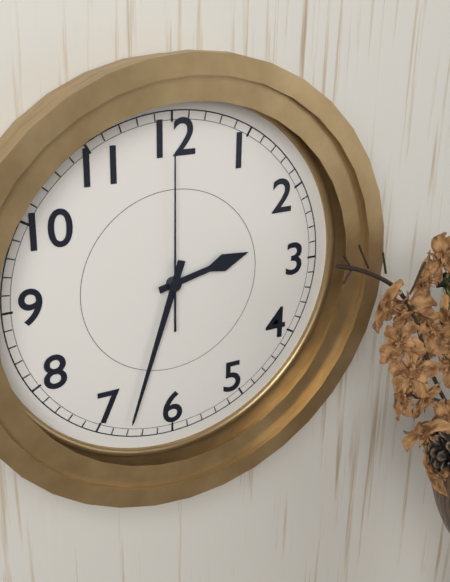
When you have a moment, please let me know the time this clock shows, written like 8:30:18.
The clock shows 2:33:00
